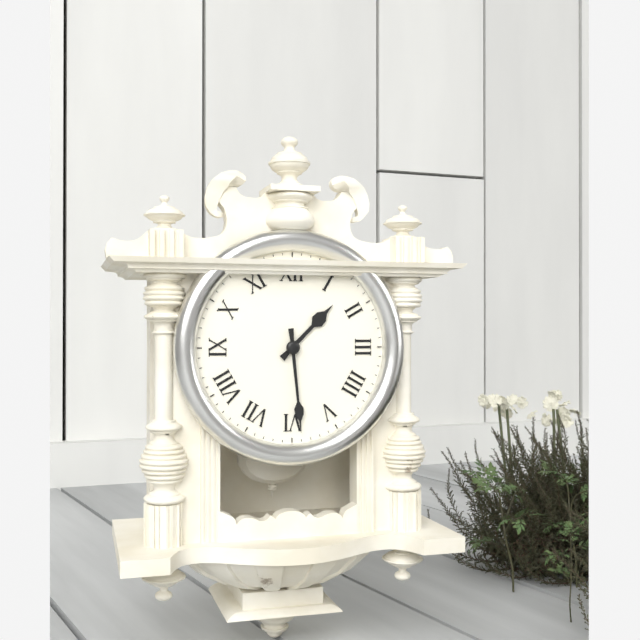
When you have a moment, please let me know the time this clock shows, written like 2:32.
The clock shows 1:29
